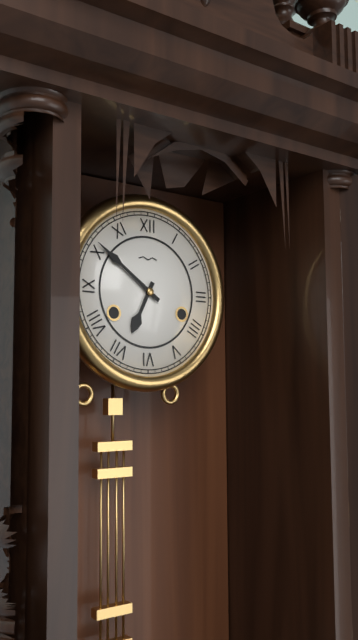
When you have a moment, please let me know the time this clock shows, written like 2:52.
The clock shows 6:51
